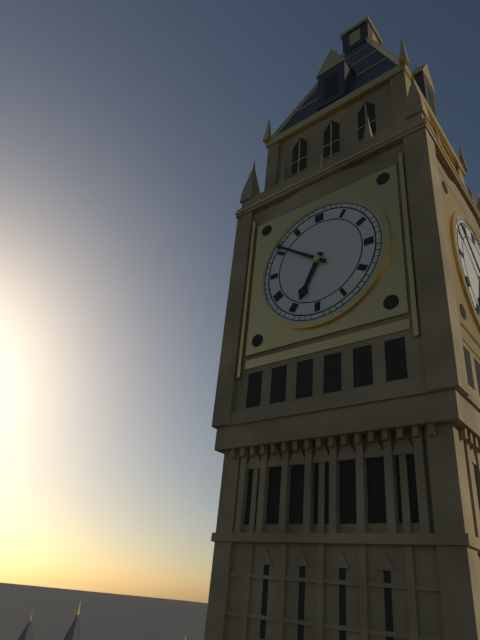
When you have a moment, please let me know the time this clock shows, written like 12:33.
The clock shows 6:51
